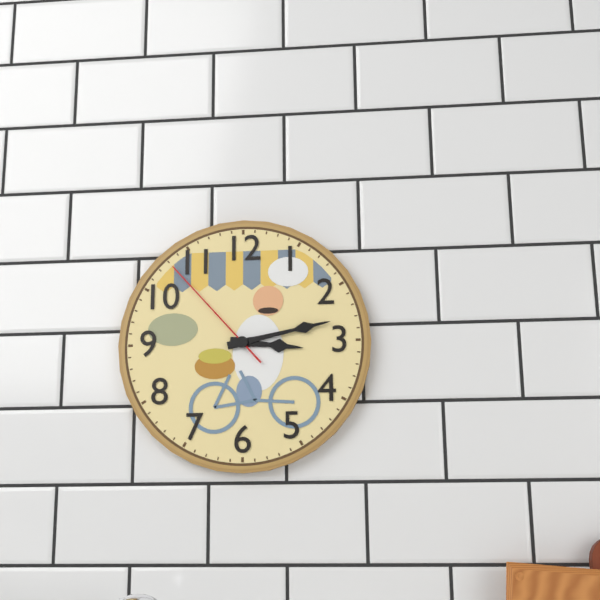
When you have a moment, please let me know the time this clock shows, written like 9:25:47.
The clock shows 3:13:53
